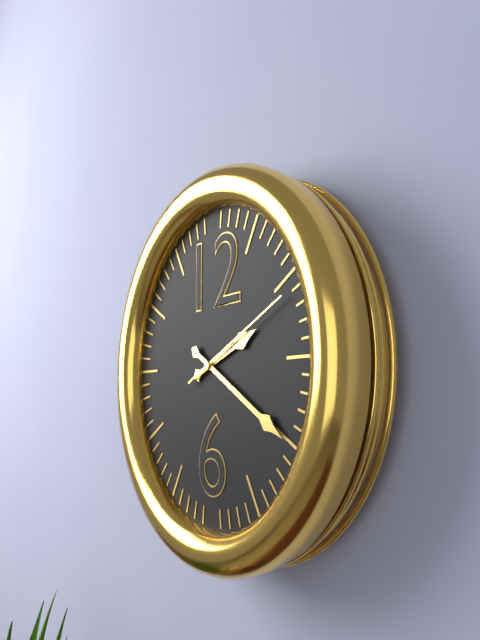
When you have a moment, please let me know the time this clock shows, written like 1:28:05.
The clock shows 2:20:11
